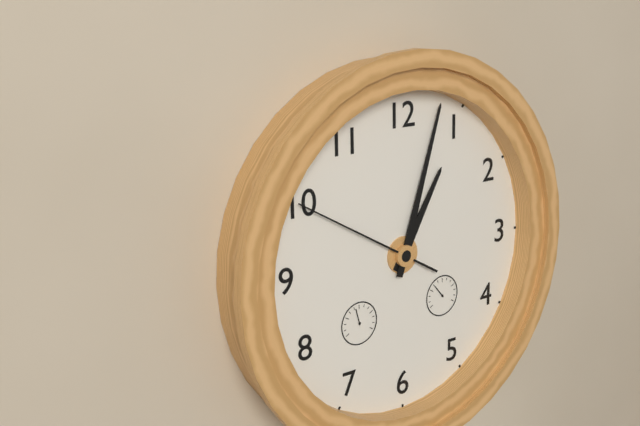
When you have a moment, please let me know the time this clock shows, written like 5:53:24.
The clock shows 1:03:50
